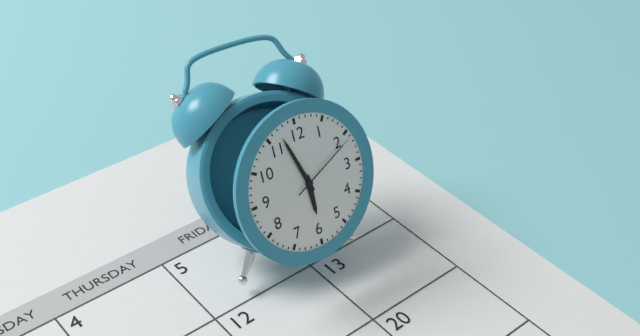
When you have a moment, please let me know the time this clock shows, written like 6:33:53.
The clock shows 5:57:11
